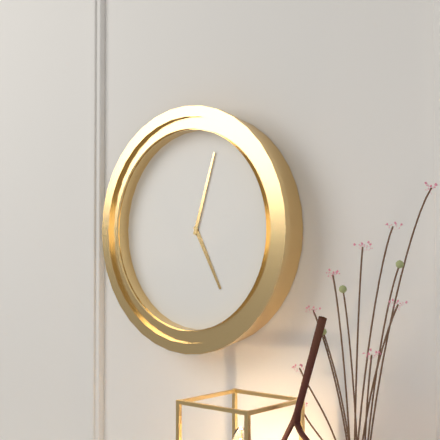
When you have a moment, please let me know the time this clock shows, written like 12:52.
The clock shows 5:03
